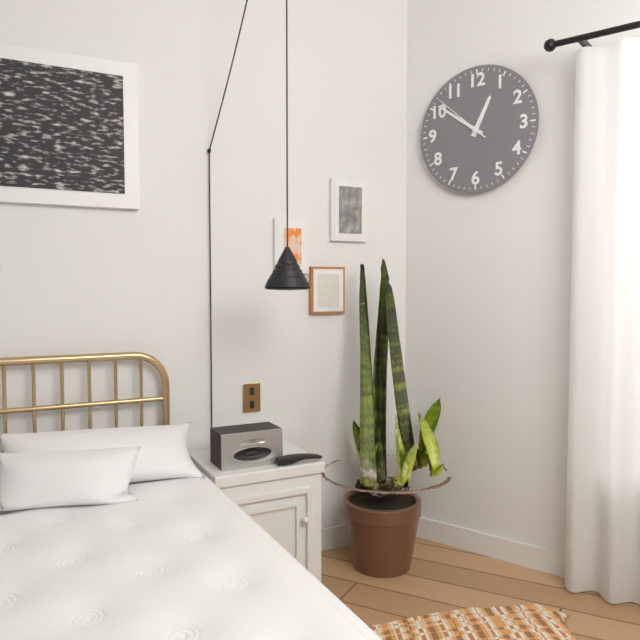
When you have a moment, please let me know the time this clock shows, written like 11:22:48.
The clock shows 12:51:52
